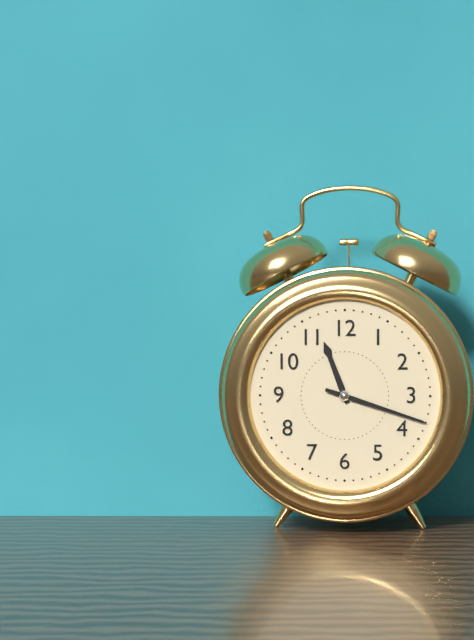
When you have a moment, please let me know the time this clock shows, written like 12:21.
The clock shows 11:18
